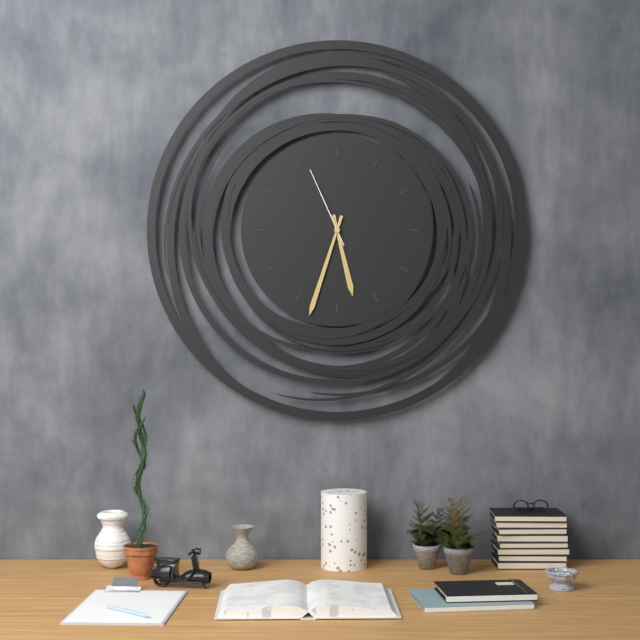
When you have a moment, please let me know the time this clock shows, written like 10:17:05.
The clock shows 5:33:56
